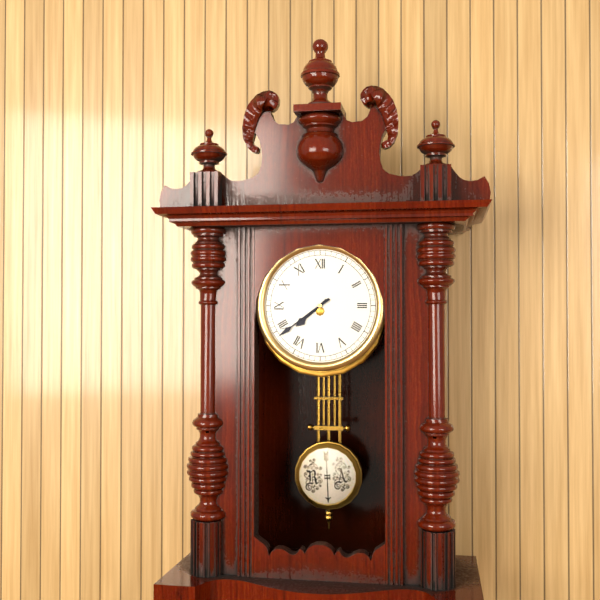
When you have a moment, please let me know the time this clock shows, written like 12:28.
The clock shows 7:39
